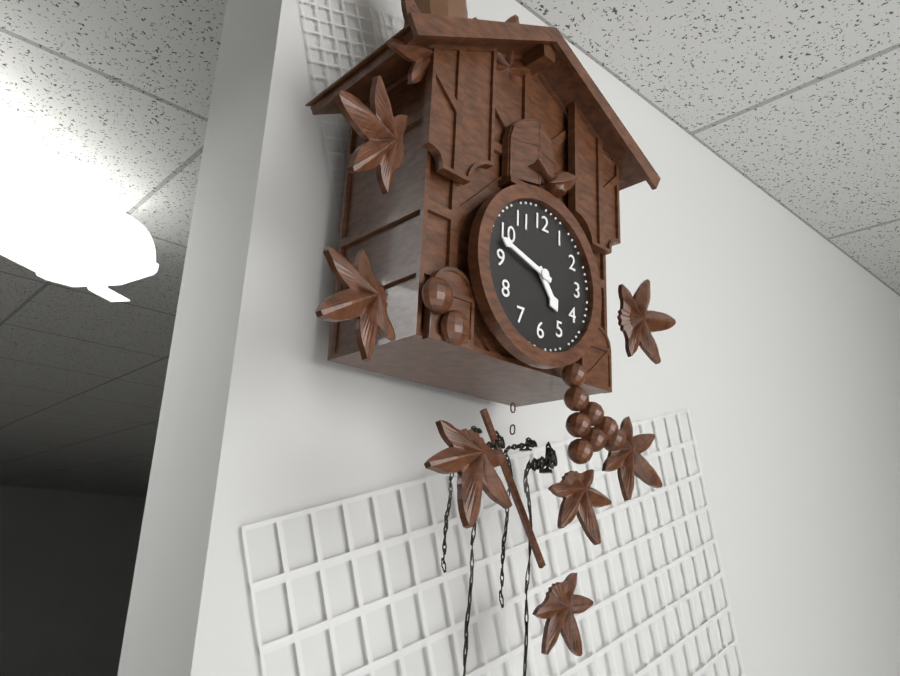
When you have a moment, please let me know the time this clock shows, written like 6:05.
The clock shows 4:48
